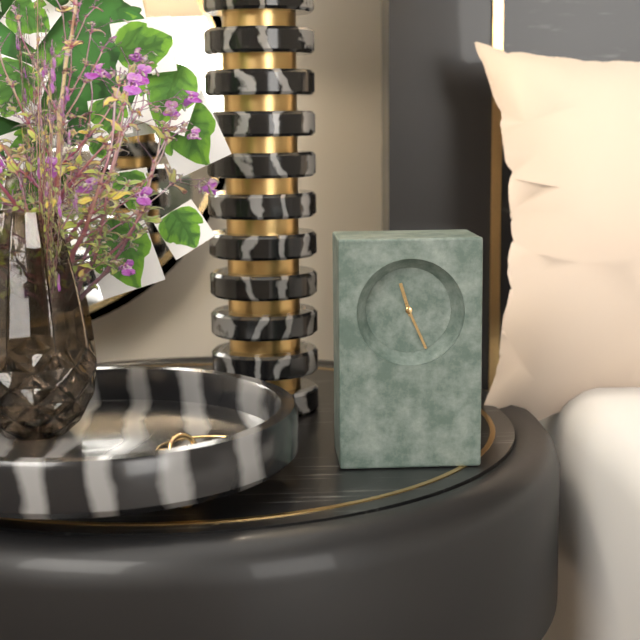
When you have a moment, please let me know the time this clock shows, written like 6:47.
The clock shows 11:26
